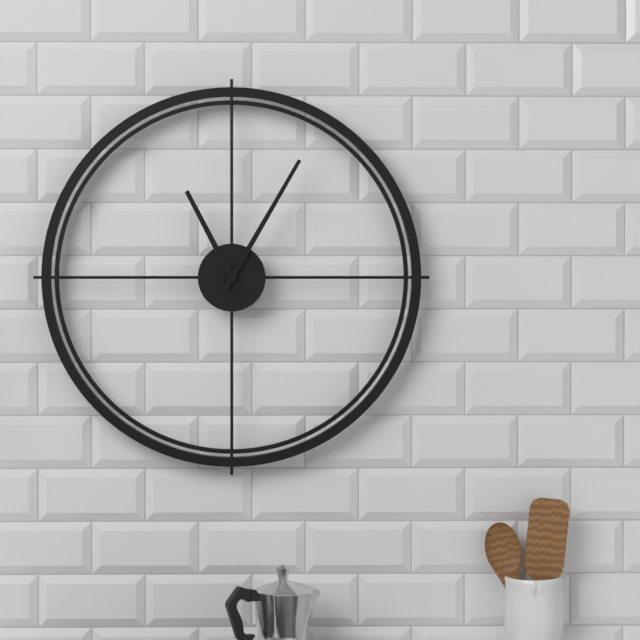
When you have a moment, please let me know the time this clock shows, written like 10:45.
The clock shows 11:05
